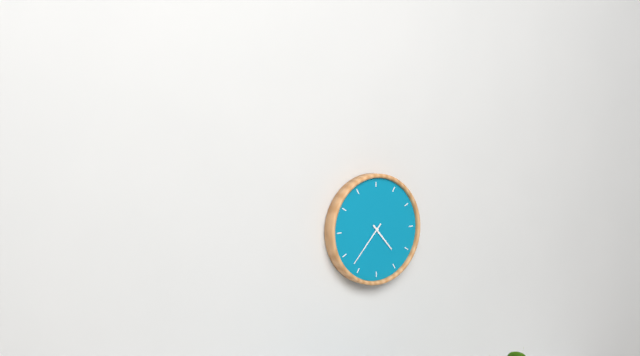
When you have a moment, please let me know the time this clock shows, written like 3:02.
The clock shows 4:37
